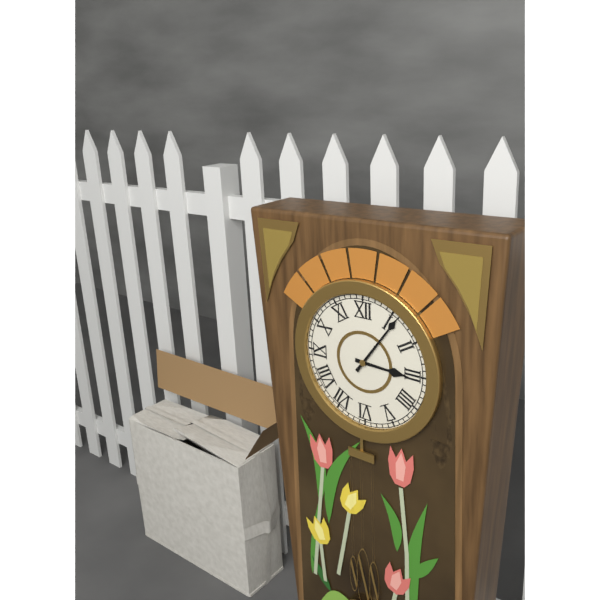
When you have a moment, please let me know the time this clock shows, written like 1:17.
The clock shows 3:06
